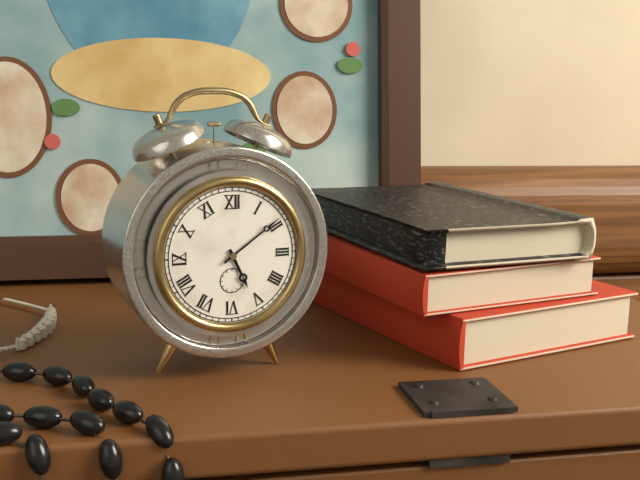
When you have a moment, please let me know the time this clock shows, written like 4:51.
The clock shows 5:09
